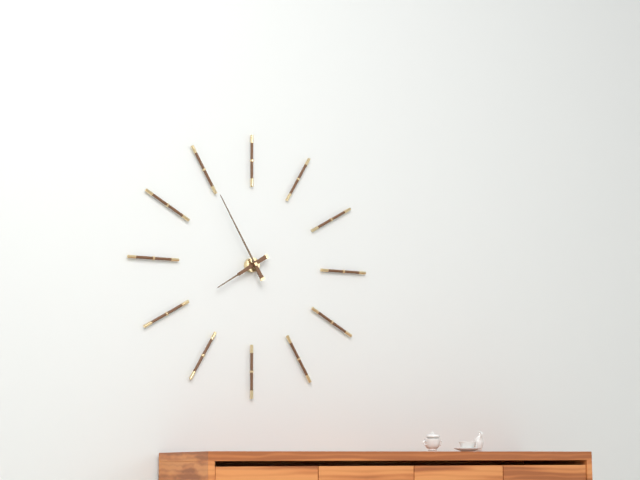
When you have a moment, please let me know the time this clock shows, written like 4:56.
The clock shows 7:55
